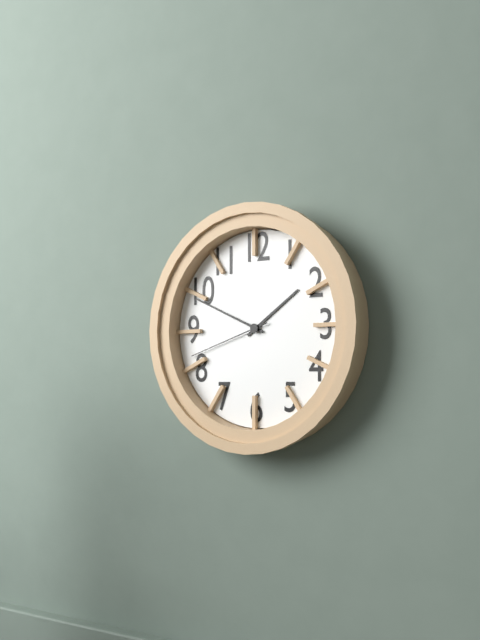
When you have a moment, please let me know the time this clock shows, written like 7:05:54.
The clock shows 1:49:42
